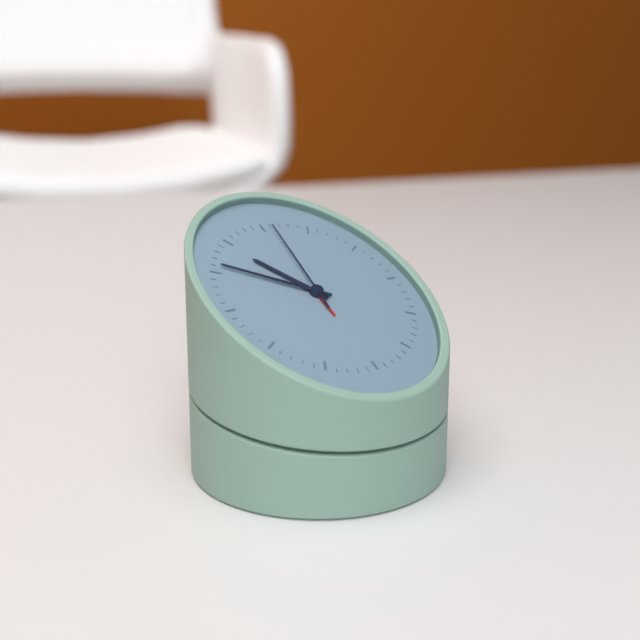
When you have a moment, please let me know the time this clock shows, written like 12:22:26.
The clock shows 10:51:01
